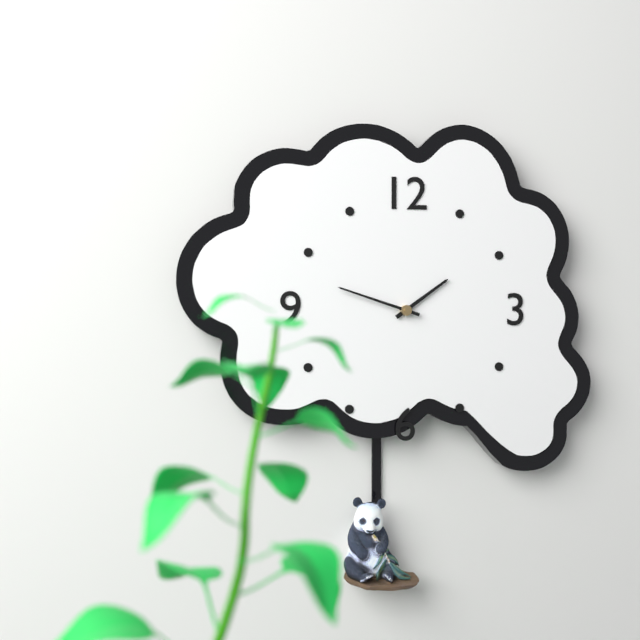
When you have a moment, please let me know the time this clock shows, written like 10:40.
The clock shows 1:48
